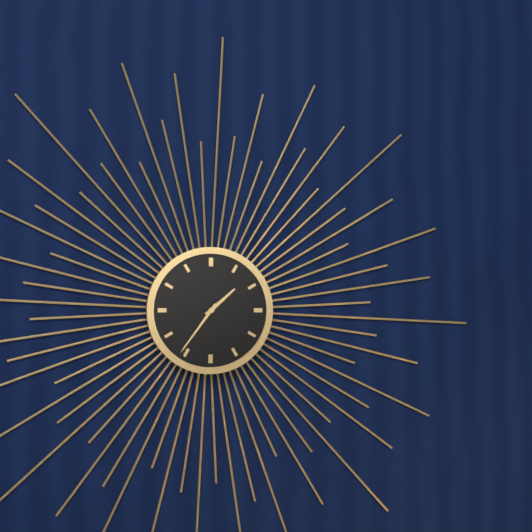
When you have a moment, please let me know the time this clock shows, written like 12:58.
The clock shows 1:36
